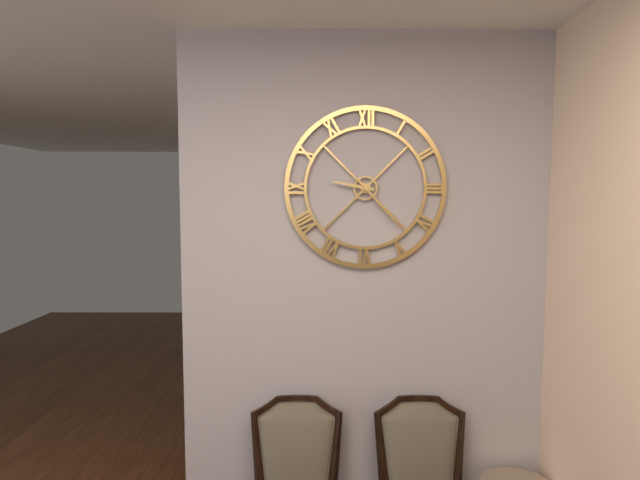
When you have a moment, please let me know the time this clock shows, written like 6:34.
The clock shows 9:23
